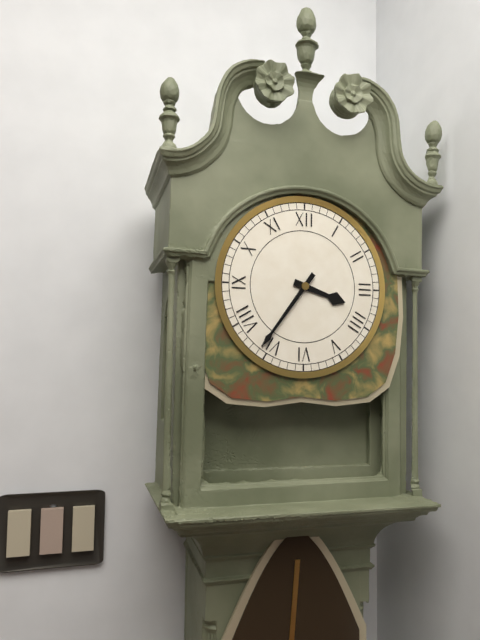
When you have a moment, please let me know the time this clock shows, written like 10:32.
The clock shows 3:36
